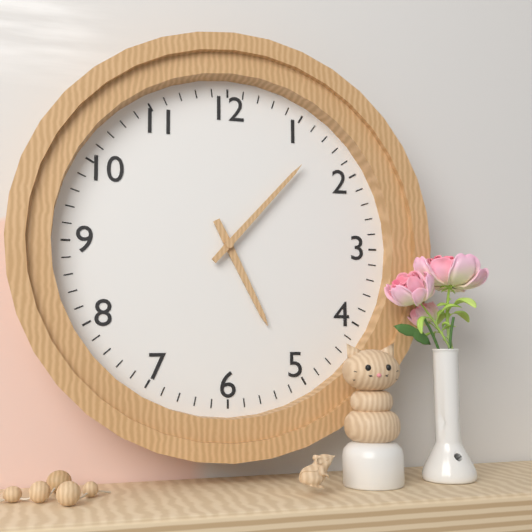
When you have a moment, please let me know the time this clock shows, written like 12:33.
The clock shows 5:07
